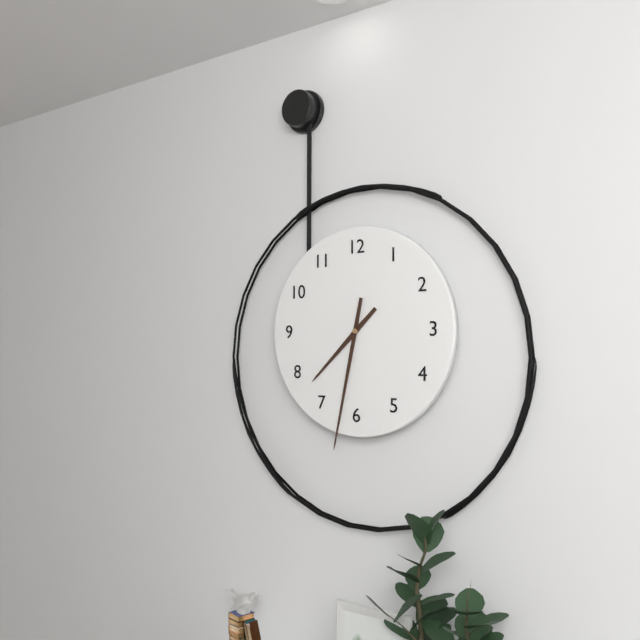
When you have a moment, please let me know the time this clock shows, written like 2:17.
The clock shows 7:32
